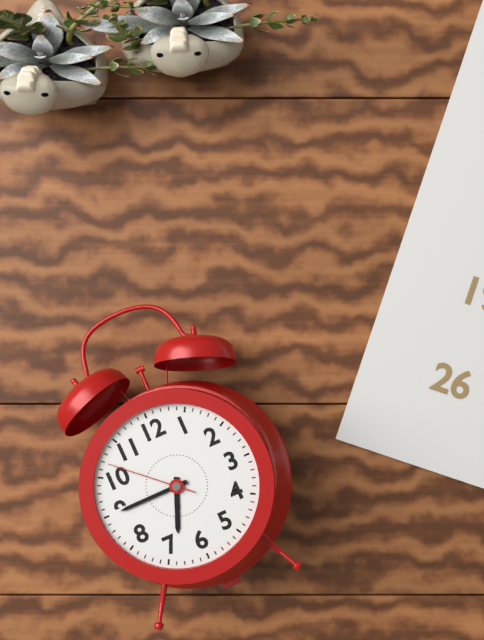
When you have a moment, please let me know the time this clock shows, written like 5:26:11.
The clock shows 6:45:52
